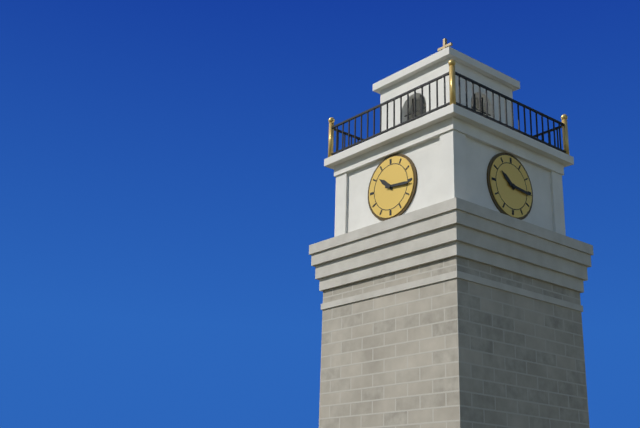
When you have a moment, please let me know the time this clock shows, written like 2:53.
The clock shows 10:16
